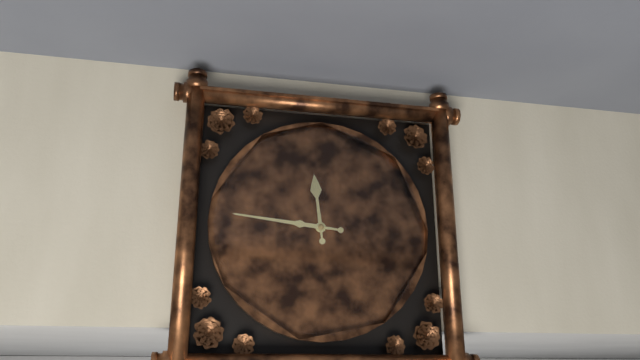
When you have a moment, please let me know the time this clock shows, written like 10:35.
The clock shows 11:46
